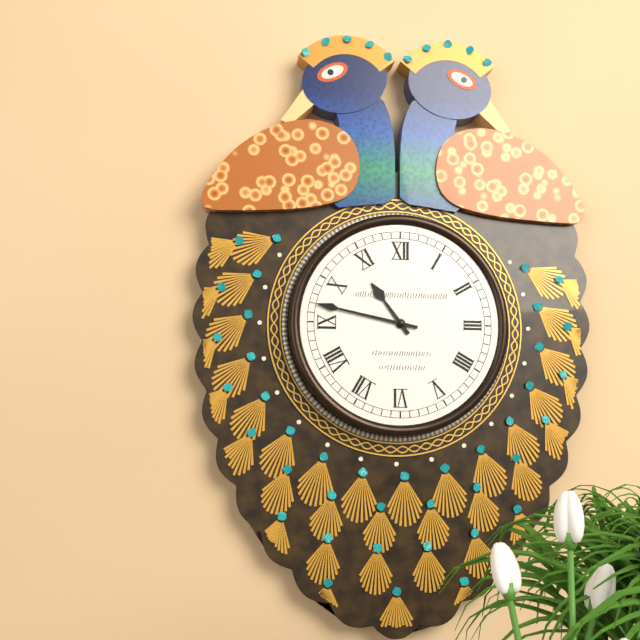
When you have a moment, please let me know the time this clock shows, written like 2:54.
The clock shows 10:47
